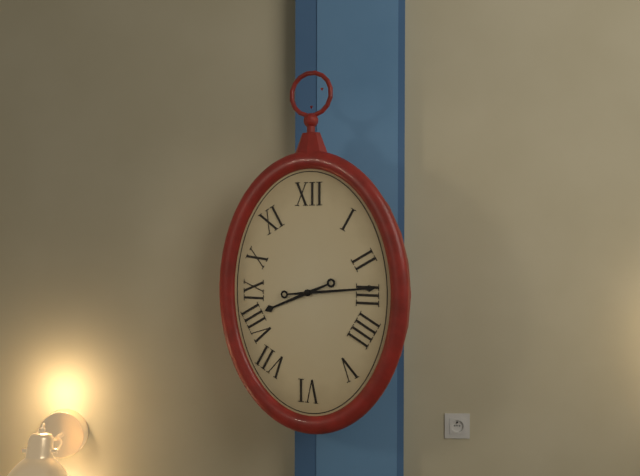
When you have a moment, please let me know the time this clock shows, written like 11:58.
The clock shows 8:14
